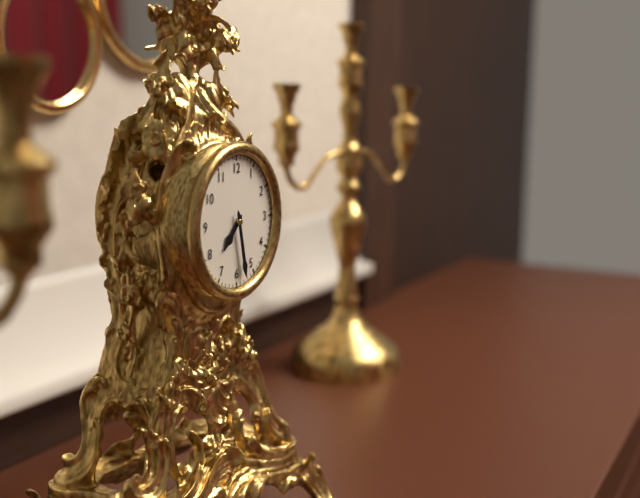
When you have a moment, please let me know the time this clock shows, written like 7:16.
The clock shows 7:28
